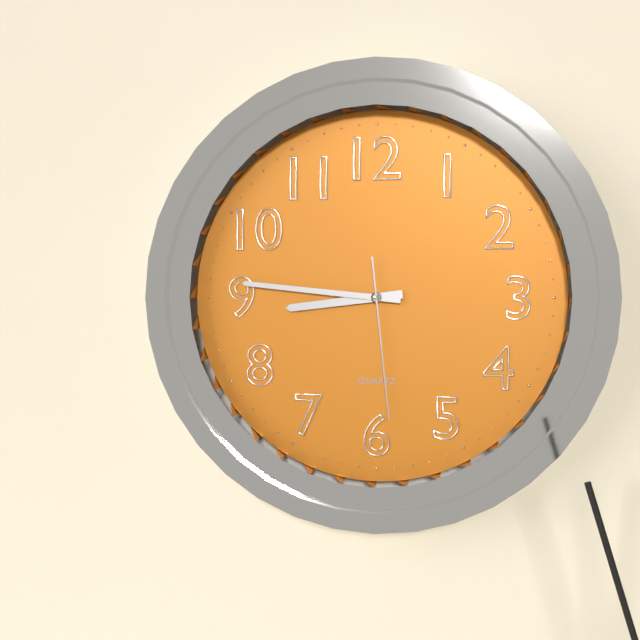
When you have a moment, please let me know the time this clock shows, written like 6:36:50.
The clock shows 8:46:29
